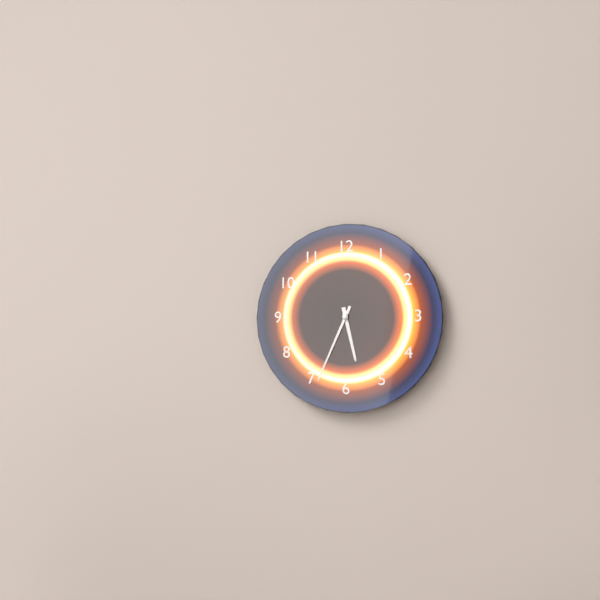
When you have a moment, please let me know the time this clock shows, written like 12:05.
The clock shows 5:34
